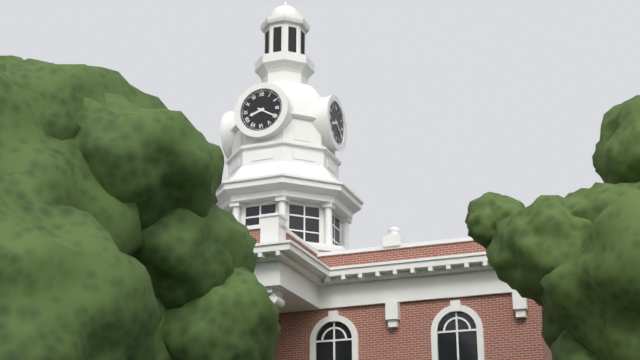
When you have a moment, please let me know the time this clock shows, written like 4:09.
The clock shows 8:20
